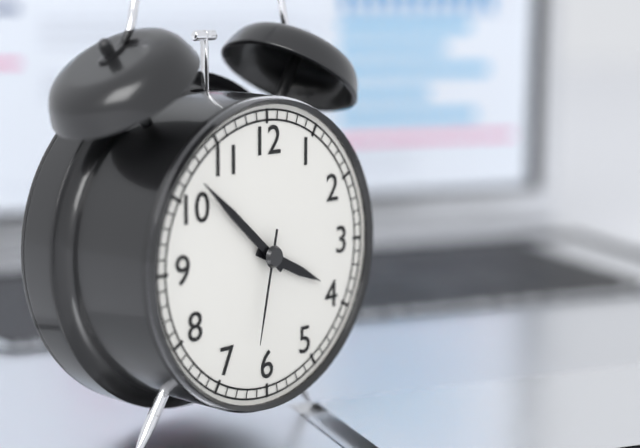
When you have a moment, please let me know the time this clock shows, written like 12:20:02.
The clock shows 3:52:32
